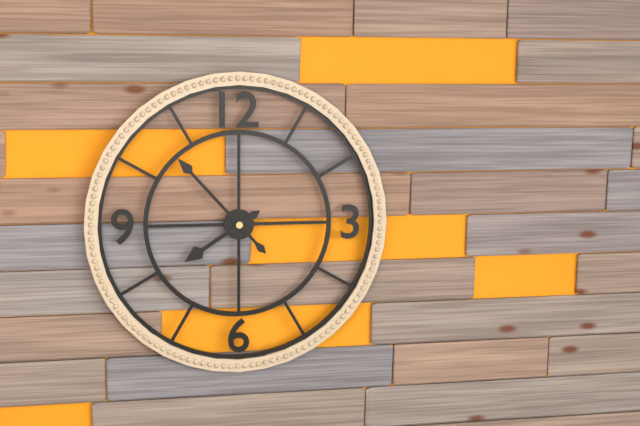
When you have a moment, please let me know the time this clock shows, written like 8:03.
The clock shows 7:53
